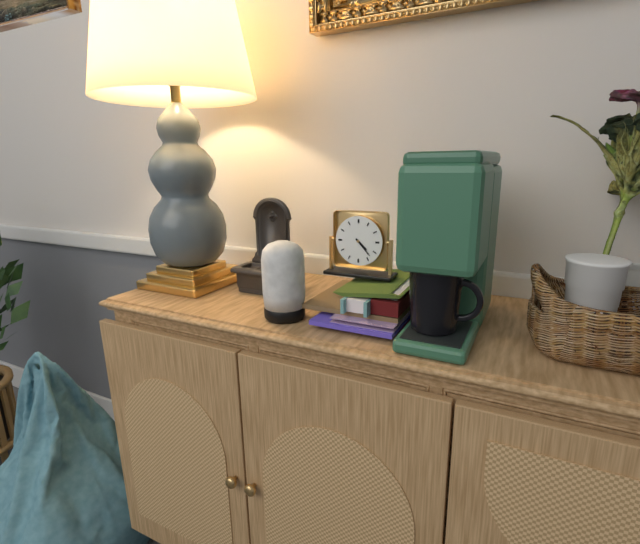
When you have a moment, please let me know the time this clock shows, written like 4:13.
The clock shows 4:23
